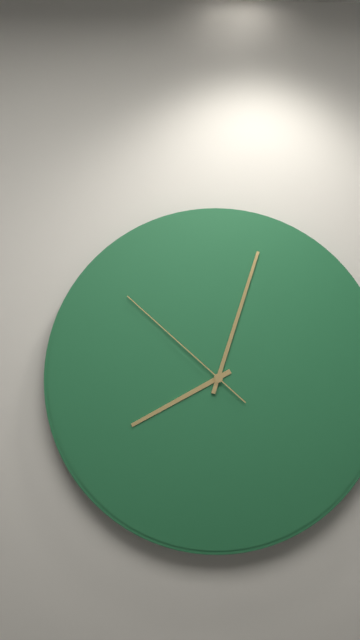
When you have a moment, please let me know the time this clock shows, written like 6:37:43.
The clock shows 8:03:52
